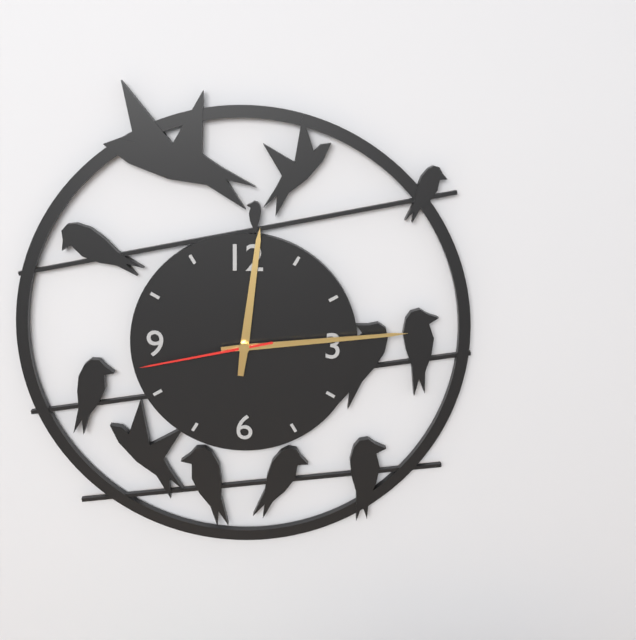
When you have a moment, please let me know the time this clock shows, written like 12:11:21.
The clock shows 12:14:43
